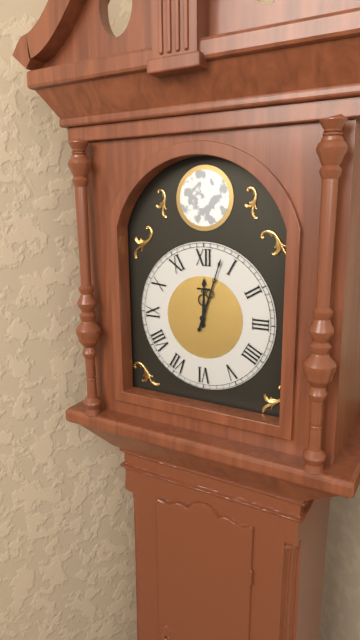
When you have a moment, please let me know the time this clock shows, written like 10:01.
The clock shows 12:03
